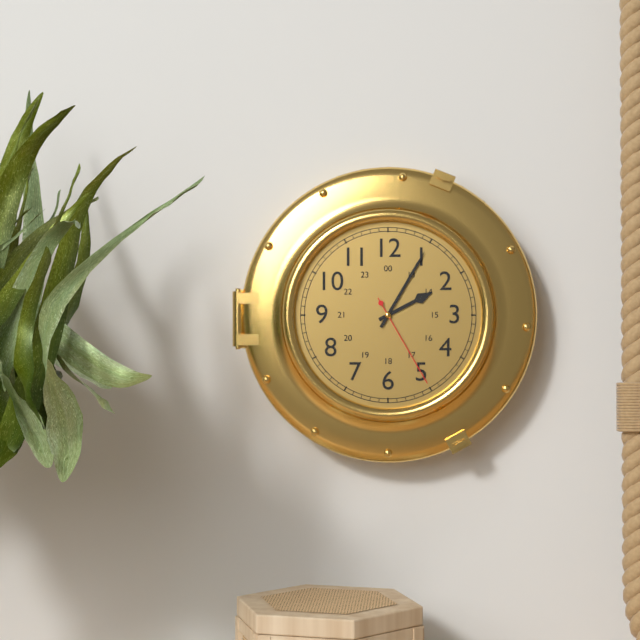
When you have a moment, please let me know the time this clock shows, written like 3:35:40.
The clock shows 2:05:25
